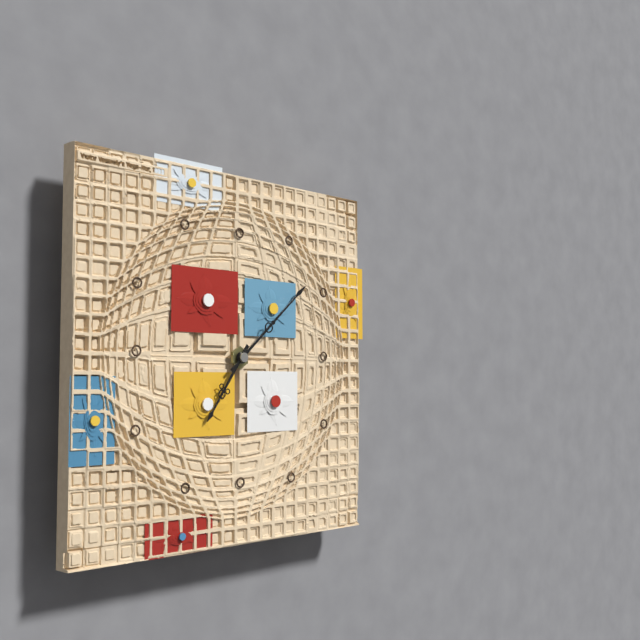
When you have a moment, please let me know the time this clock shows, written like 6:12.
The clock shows 7:08
